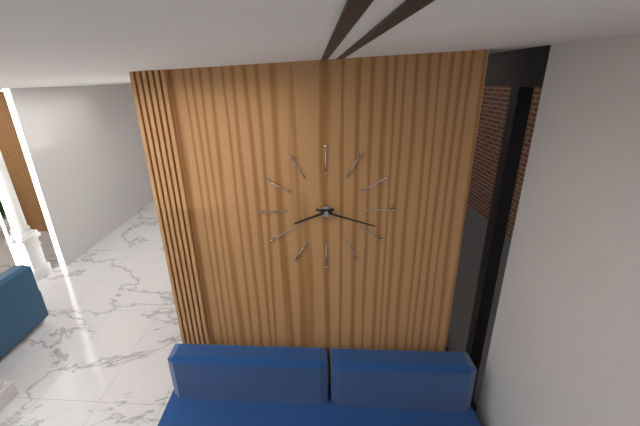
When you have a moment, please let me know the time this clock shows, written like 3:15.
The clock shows 8:18
